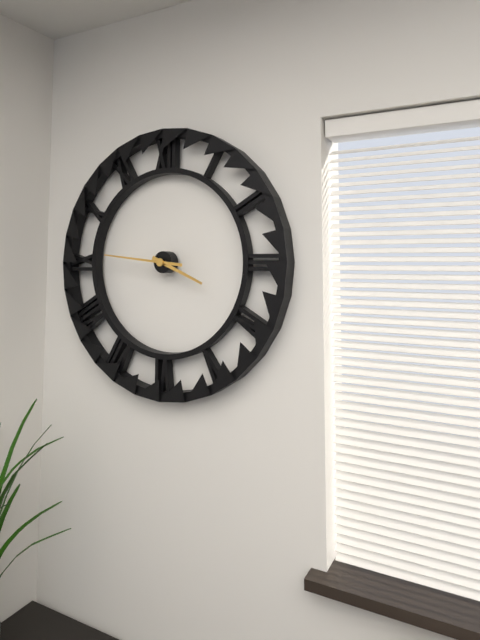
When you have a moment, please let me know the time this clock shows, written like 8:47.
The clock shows 3:46
